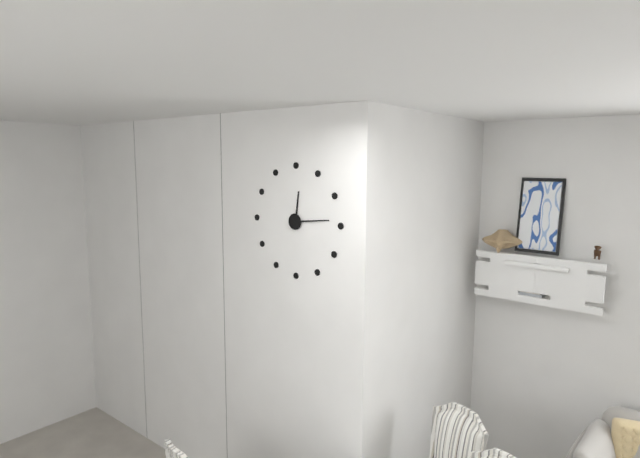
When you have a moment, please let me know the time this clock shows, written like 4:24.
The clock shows 12:14
